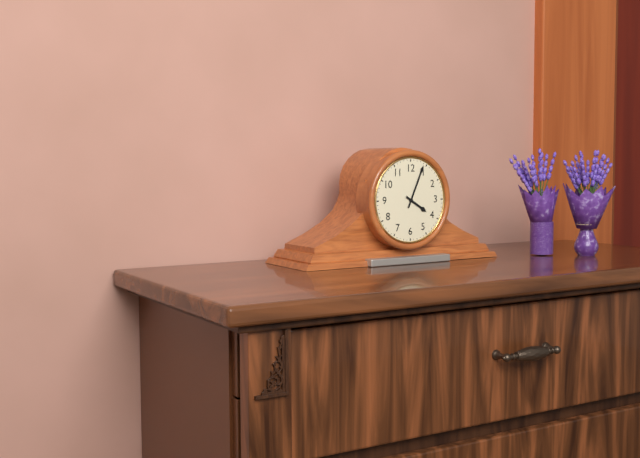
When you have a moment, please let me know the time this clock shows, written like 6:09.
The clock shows 4:04
